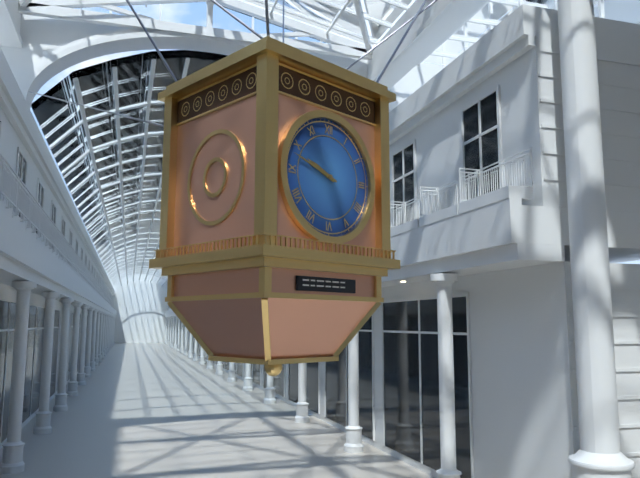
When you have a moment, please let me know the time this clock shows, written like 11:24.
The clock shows 9:48
